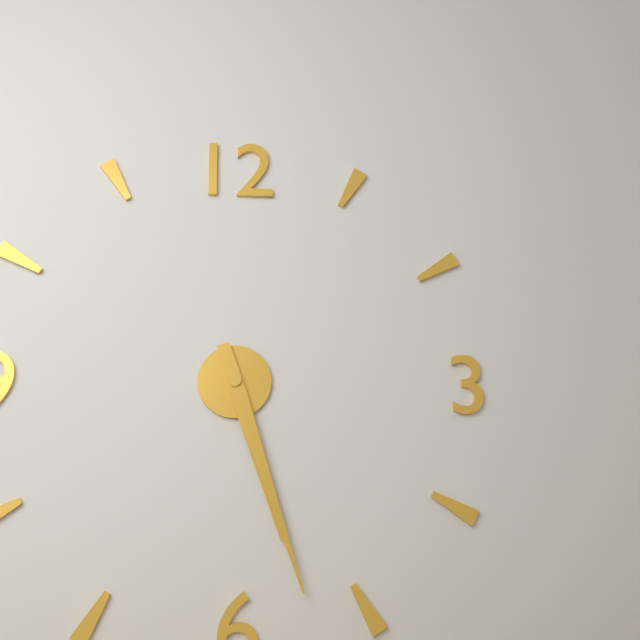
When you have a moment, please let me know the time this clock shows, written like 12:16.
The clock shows 5:27
